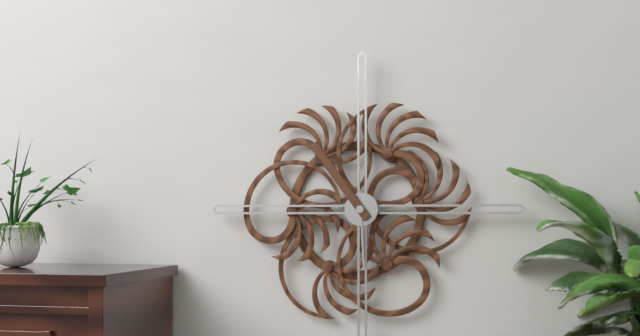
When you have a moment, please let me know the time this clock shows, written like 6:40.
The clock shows 5:54
